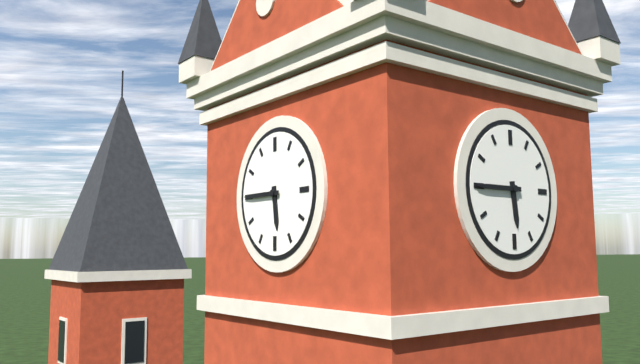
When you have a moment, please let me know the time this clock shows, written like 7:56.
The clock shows 5:45
